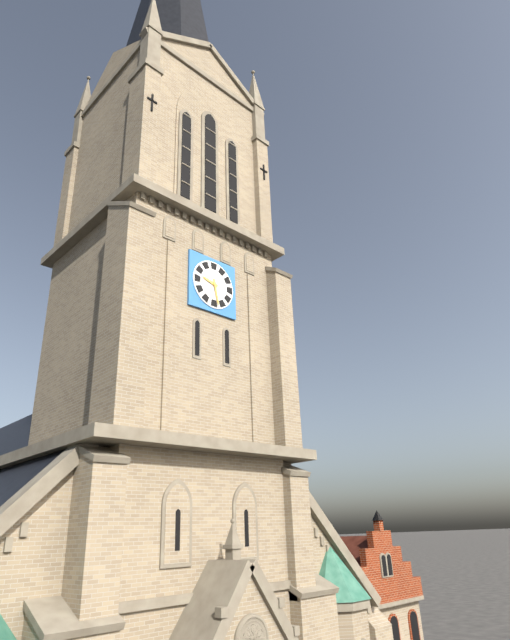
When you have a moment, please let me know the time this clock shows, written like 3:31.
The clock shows 9:28
